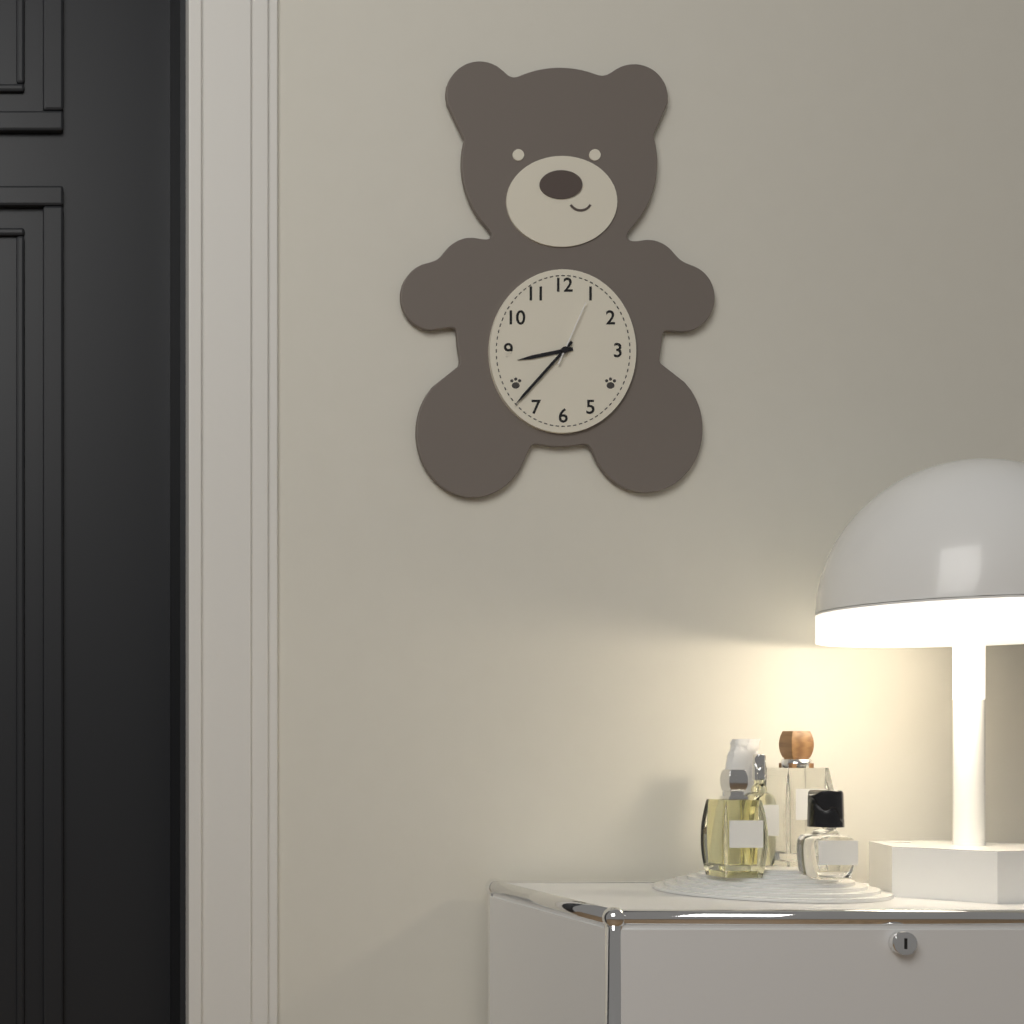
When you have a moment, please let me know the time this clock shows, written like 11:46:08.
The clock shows 8:37:04
